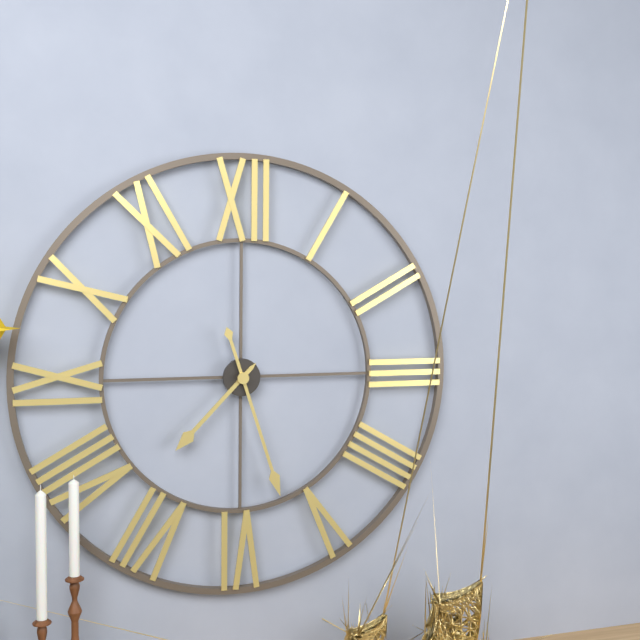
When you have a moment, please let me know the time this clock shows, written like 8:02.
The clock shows 7:27
